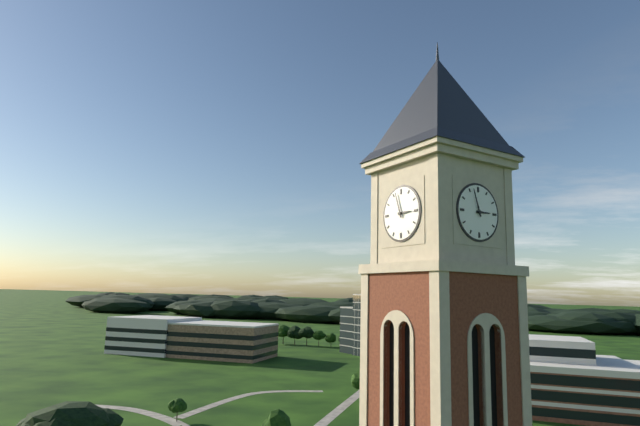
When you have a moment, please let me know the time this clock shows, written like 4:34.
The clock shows 2:57
